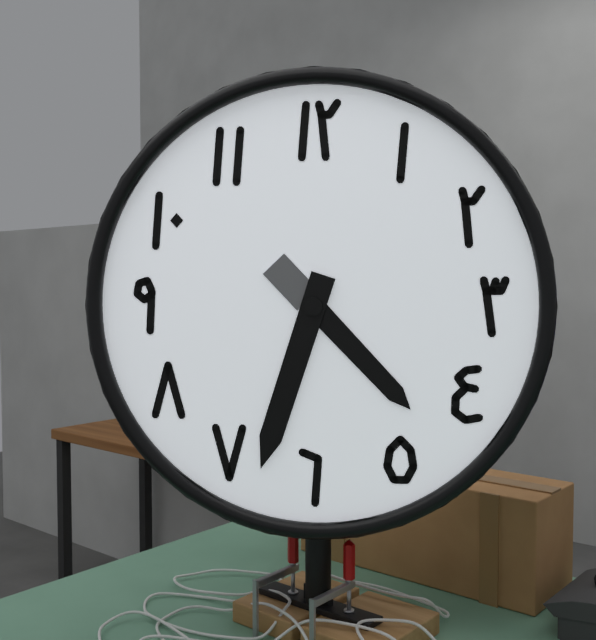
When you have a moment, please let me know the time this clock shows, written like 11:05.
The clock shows 4:33
